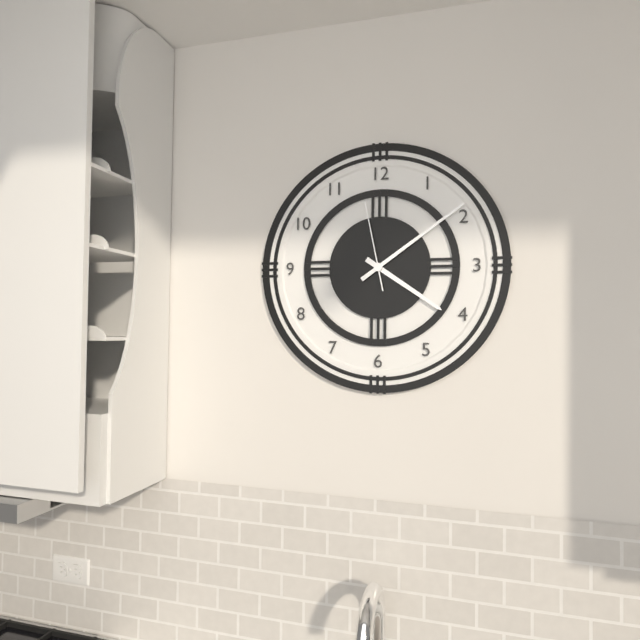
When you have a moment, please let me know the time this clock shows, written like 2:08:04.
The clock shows 4:09:58
